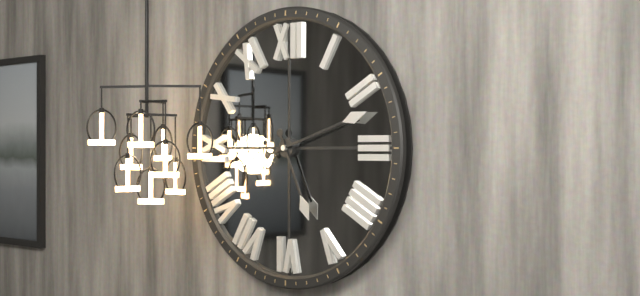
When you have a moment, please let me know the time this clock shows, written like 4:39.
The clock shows 5:12
